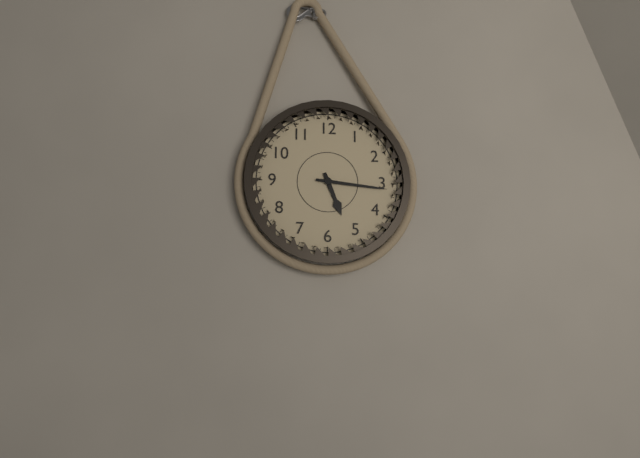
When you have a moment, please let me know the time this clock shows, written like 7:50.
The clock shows 5:16
